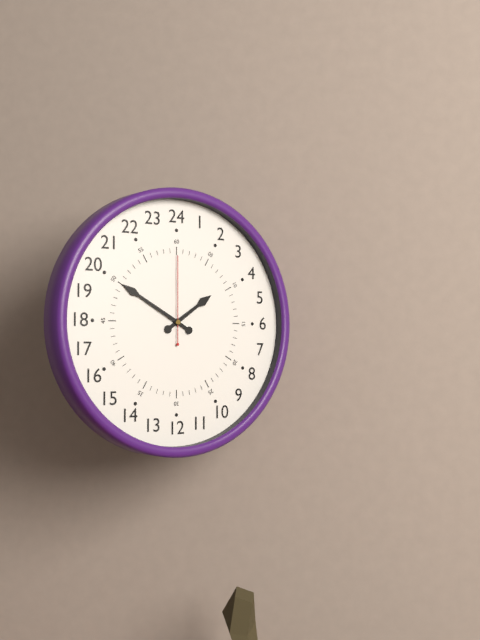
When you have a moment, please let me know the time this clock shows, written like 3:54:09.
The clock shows 1:50:00
